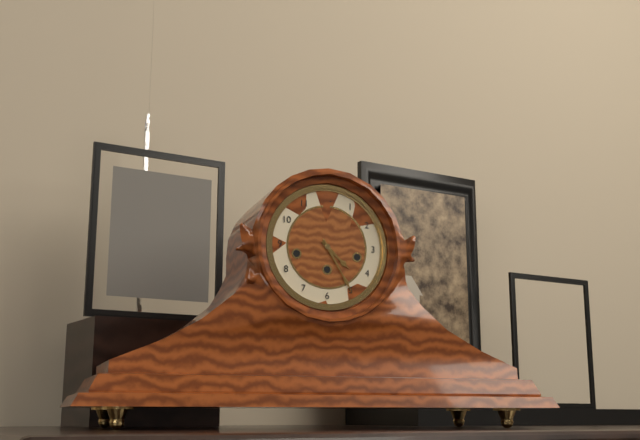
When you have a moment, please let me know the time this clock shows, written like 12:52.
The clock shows 4:25
